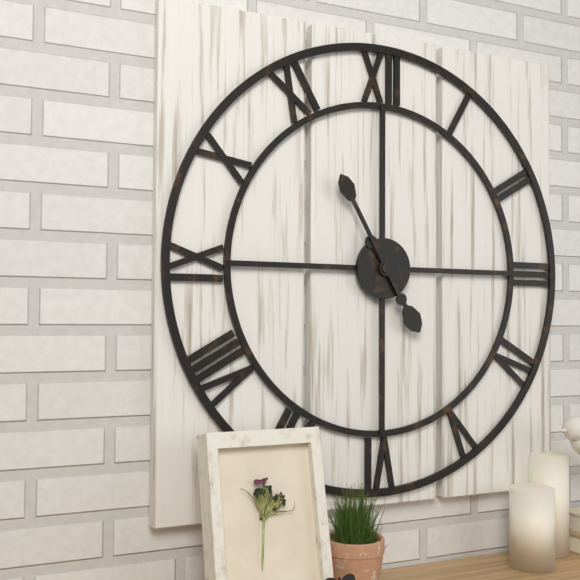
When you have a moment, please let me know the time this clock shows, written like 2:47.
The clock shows 4:55
